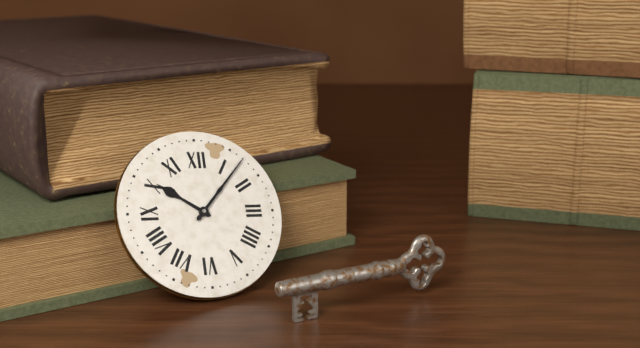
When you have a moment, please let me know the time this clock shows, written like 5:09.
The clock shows 10:07
